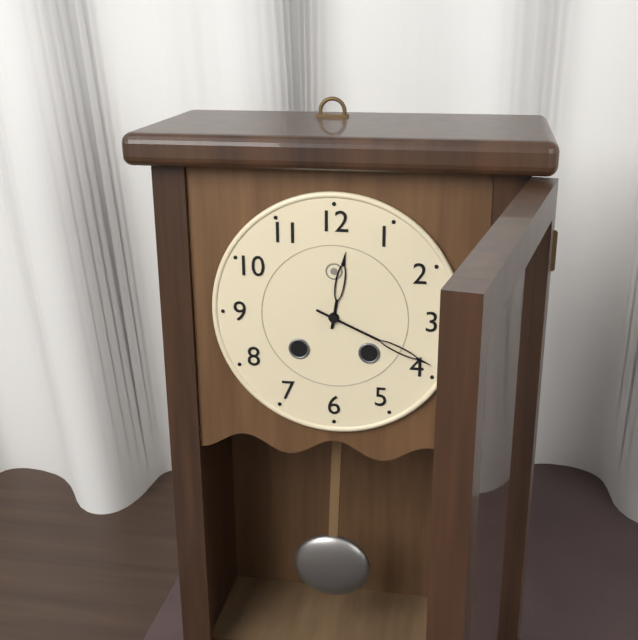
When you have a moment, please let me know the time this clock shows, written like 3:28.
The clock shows 12:19
